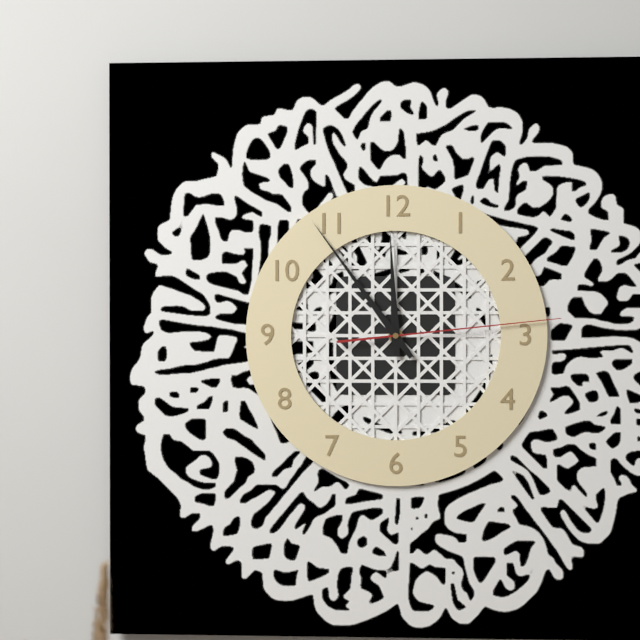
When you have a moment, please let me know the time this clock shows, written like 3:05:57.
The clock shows 11:54:14
